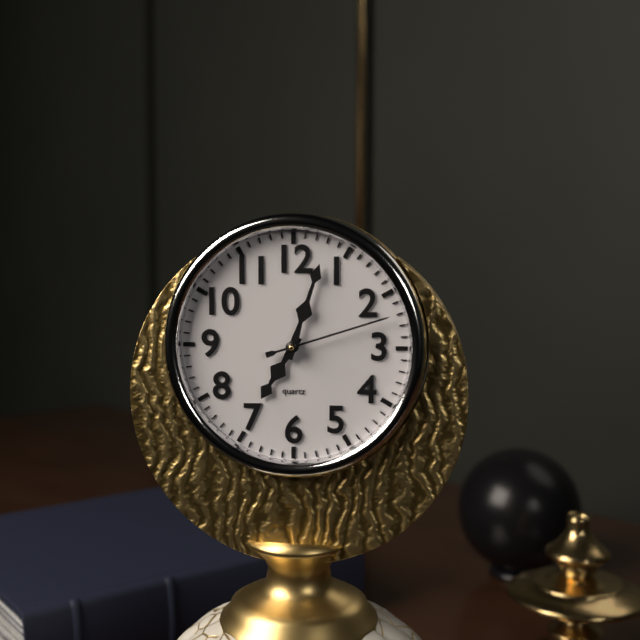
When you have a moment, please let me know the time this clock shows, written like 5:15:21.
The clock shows 7:03:12
